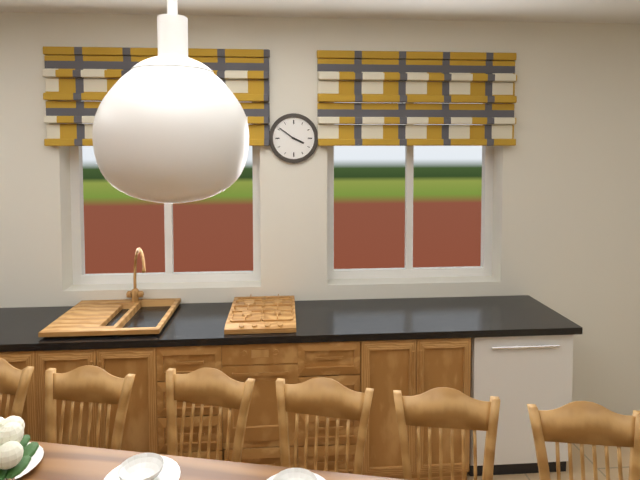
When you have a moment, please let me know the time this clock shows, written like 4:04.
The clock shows 3:51
